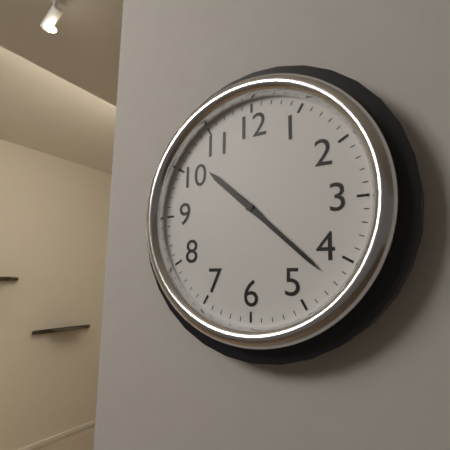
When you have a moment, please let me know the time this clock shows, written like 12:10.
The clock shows 10:22
